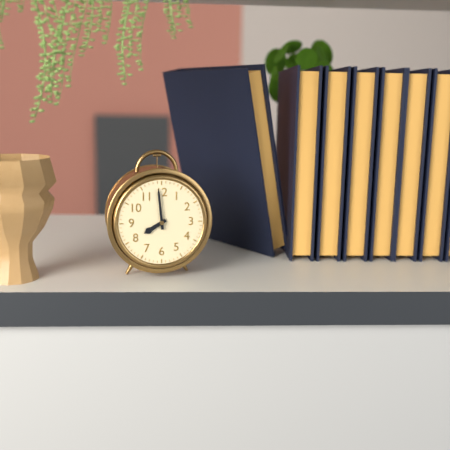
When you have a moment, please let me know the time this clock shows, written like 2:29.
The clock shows 7:59
